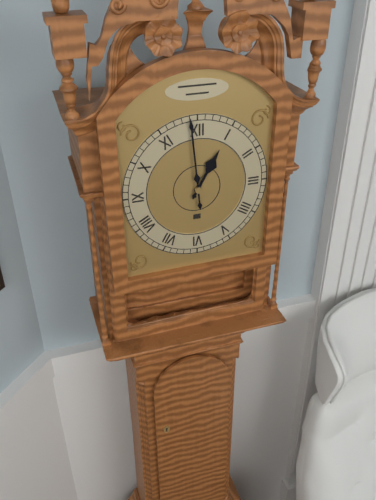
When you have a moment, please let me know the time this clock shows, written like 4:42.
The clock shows 12:59
